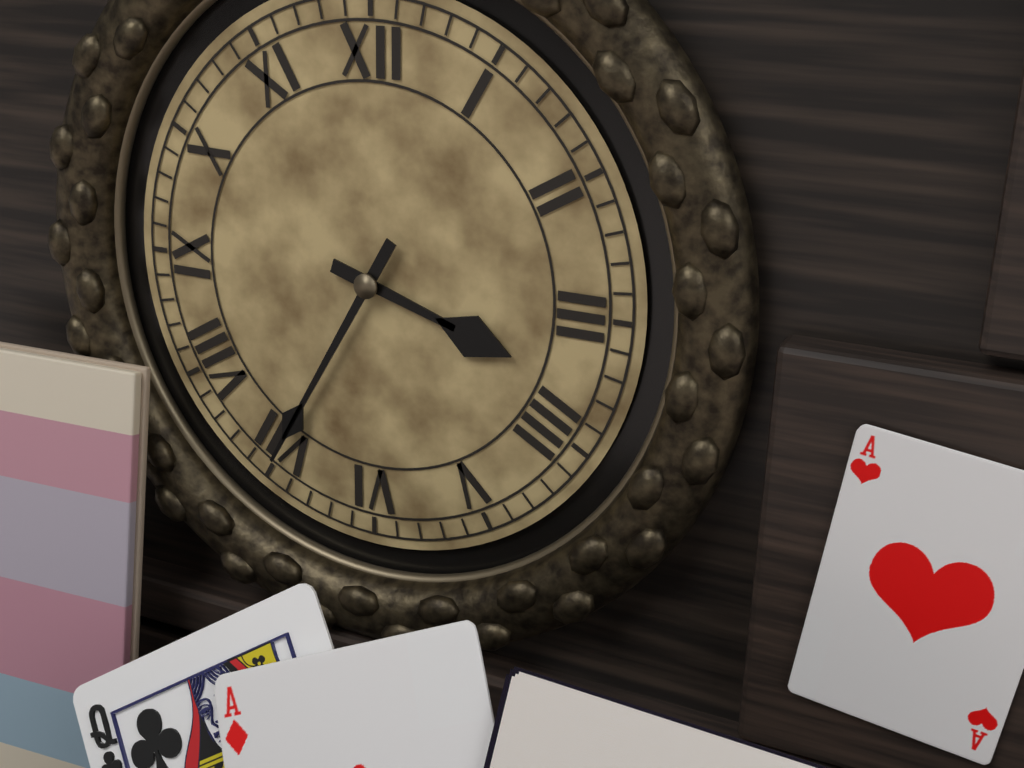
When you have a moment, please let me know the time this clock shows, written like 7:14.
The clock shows 3:35
